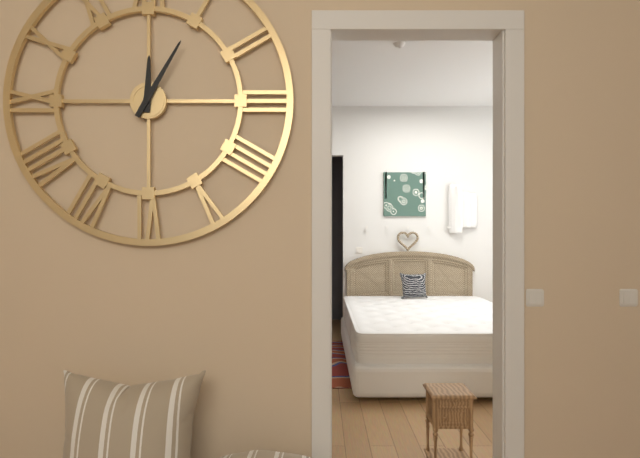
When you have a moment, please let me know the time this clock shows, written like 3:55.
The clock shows 12:05
